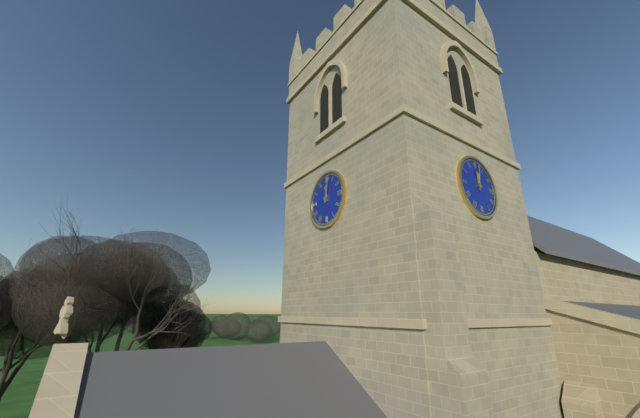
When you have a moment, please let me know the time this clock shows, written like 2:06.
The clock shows 12:02
